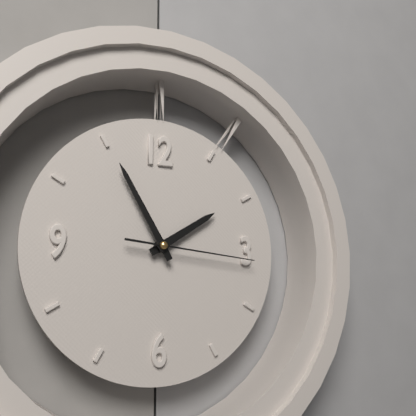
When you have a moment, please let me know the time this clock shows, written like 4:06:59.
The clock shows 1:55:16
